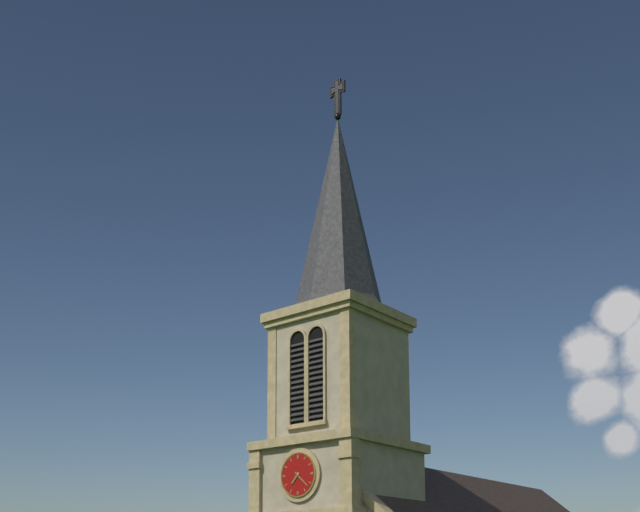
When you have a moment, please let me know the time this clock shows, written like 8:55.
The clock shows 7:22
